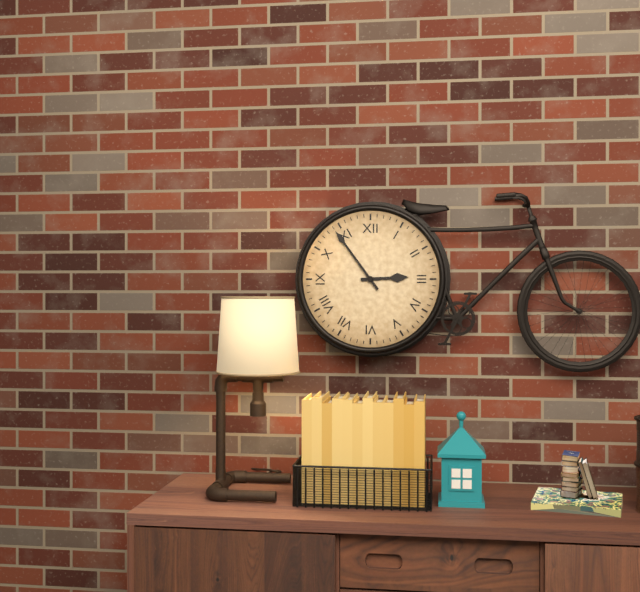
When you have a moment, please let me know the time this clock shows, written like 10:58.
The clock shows 2:54
